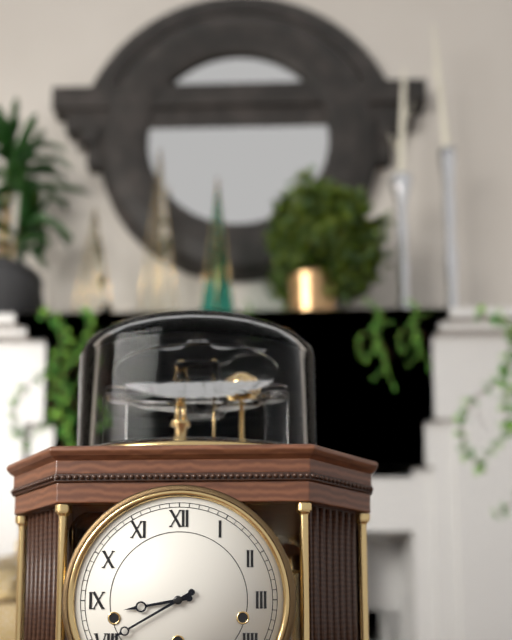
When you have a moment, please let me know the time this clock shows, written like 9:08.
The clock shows 8:40
